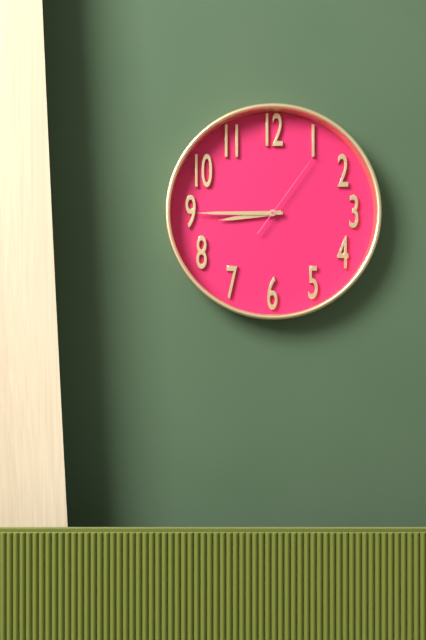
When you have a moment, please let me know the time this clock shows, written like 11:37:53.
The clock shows 8:45:06
